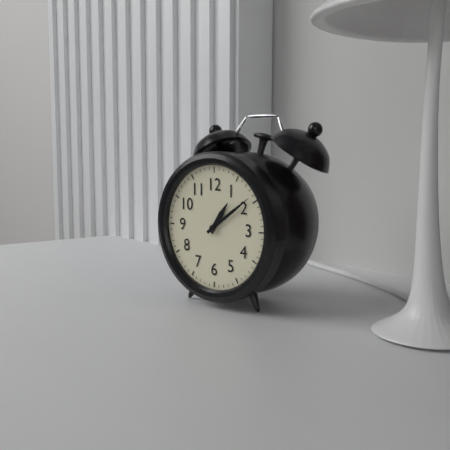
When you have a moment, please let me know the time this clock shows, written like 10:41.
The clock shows 1:09
